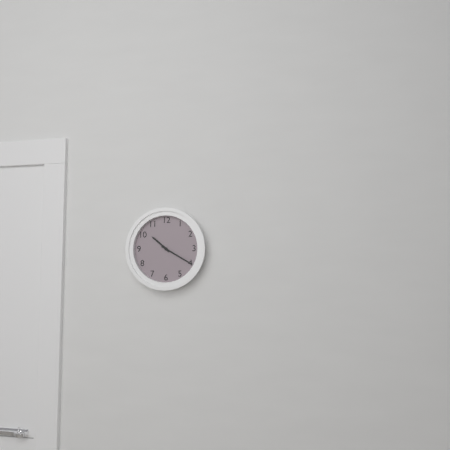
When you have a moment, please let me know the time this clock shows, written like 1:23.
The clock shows 10:20
